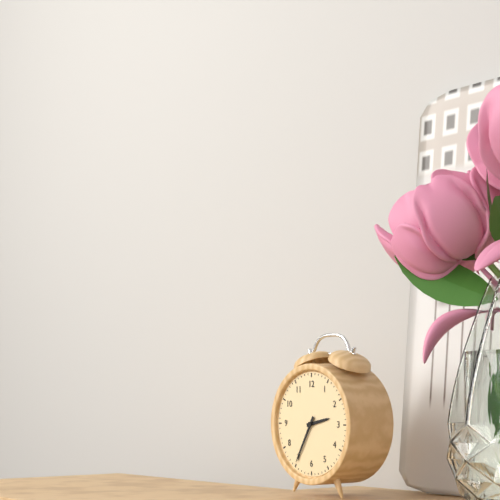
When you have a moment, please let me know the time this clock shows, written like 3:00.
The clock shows 2:35
